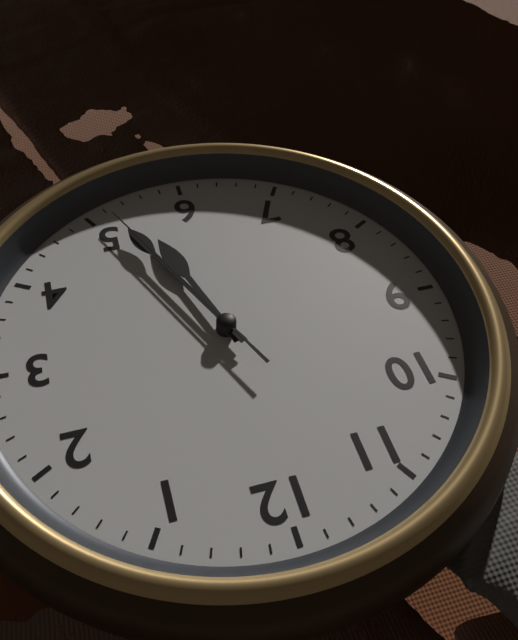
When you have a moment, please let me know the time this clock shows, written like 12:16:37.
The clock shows 5:26:26
